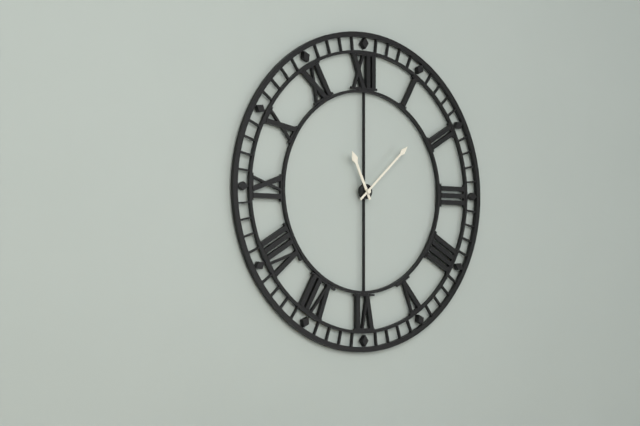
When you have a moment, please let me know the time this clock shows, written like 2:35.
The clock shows 11:08
